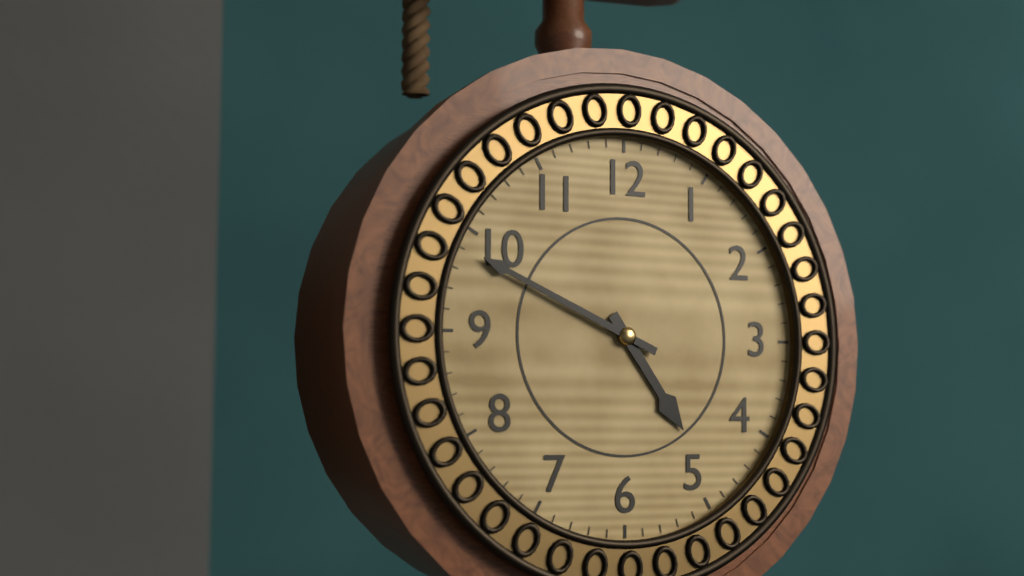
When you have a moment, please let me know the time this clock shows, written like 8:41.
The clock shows 4:49
